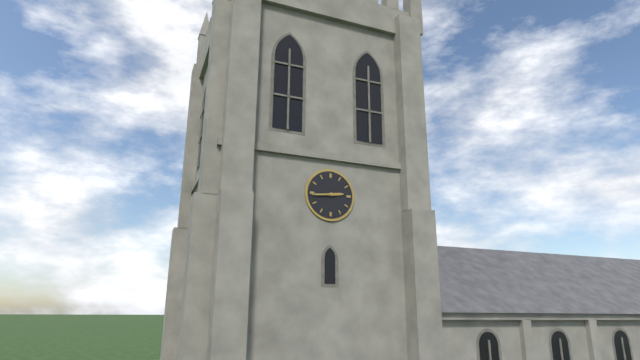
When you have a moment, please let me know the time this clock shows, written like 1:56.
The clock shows 2:44
